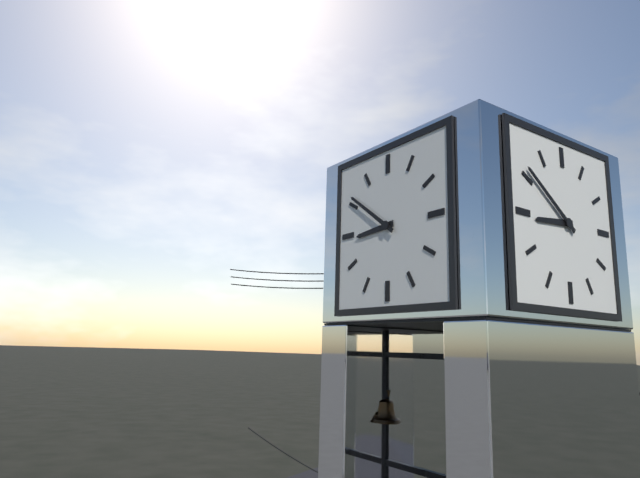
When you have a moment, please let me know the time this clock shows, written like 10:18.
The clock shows 8:51
